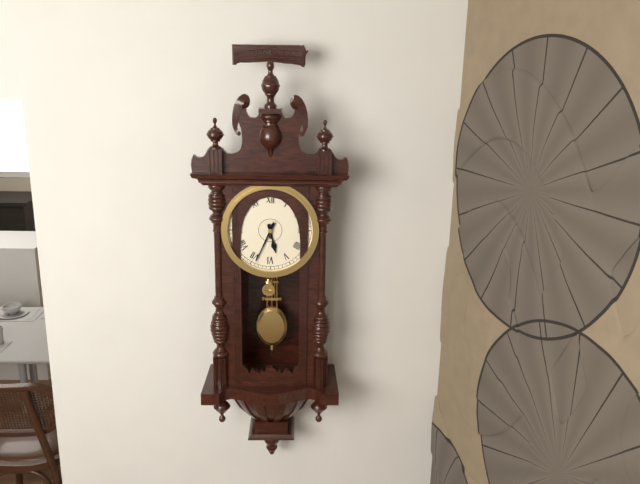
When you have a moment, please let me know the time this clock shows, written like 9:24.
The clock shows 5:34
